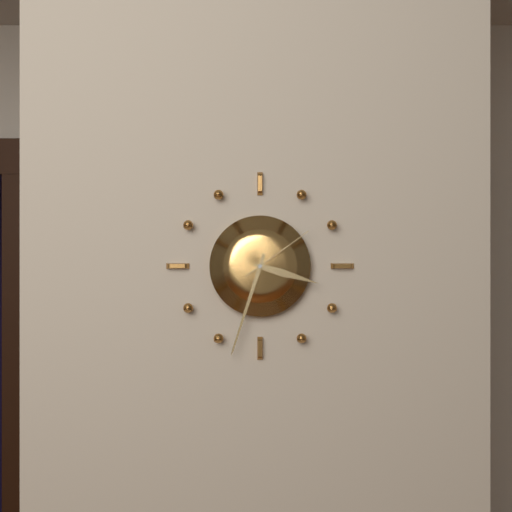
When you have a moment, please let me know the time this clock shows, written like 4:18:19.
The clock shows 3:33:09
